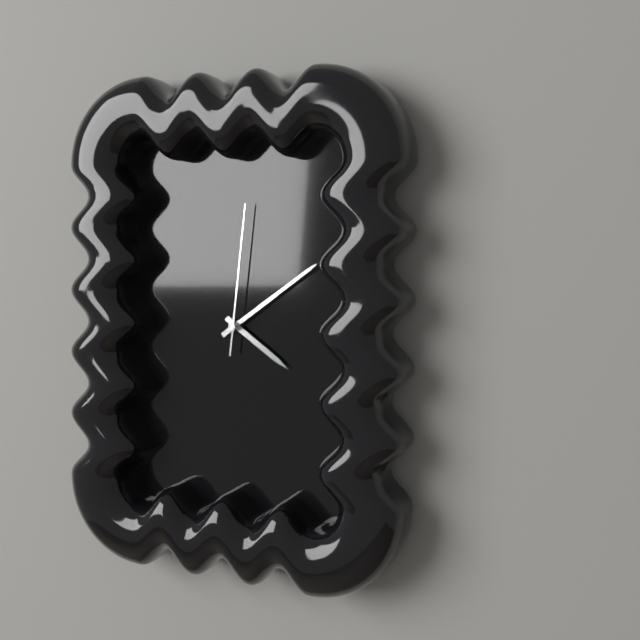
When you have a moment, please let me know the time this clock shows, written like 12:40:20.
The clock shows 4:09:01
